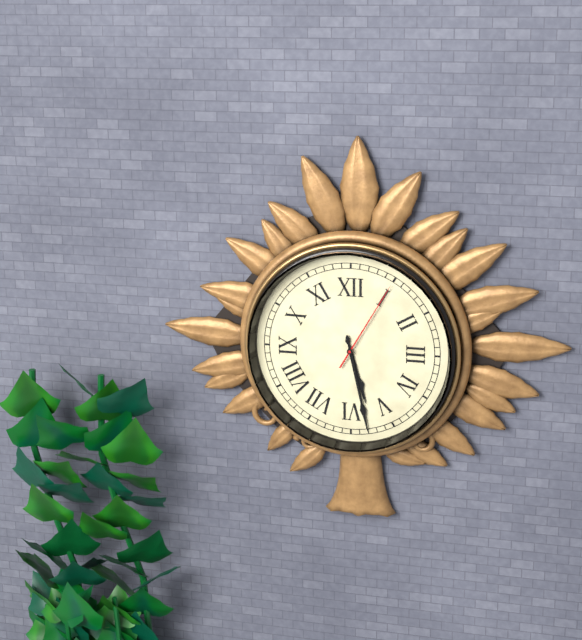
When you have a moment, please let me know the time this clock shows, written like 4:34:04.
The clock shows 5:28:05
